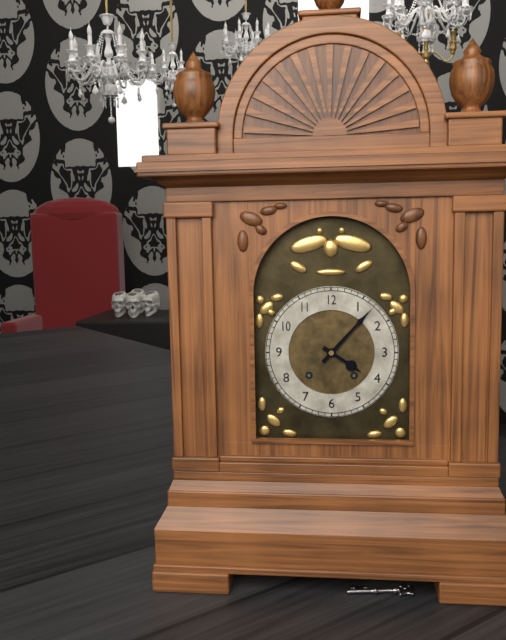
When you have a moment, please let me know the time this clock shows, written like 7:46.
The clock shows 4:07
